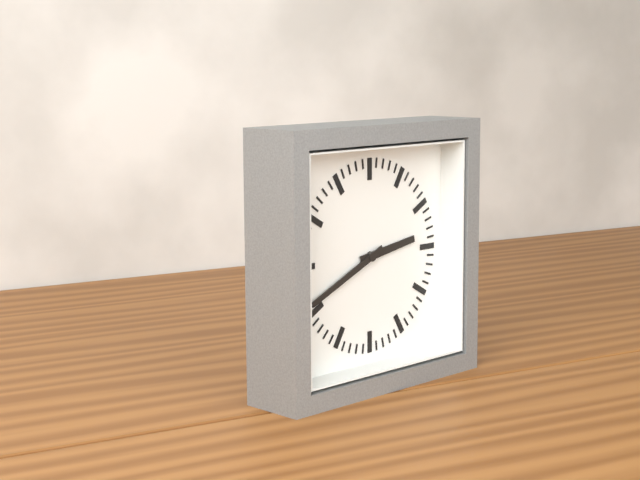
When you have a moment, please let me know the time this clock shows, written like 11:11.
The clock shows 2:41
